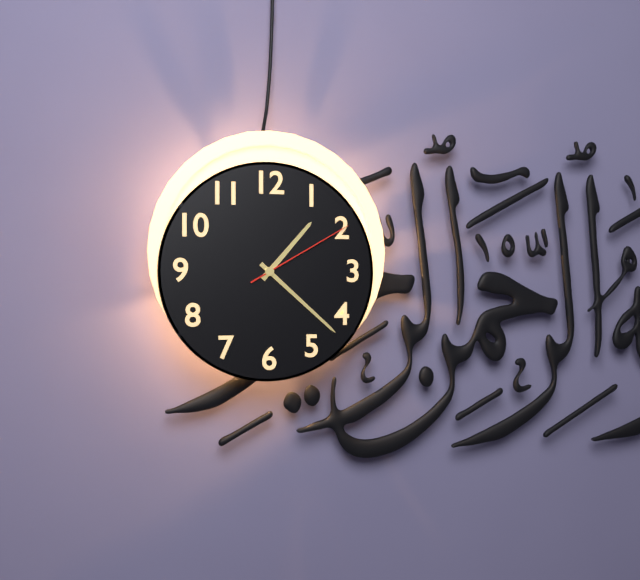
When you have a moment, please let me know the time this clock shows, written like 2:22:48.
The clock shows 1:22:10
